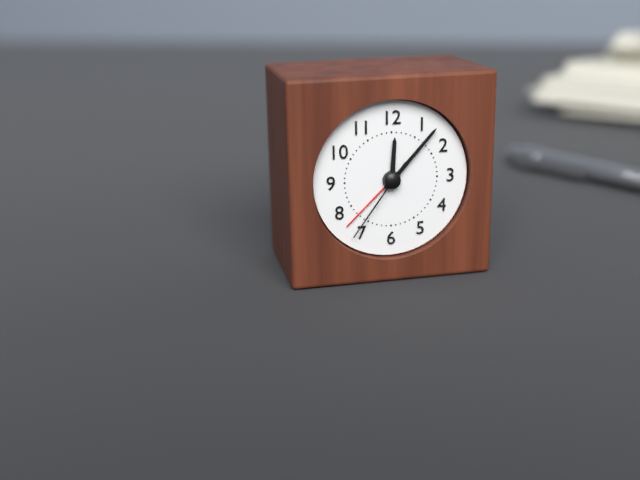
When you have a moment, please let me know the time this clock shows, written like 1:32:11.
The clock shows 12:07:36
